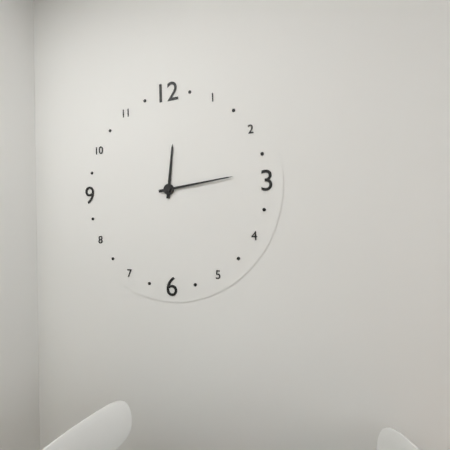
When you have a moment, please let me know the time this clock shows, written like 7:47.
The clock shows 12:14
